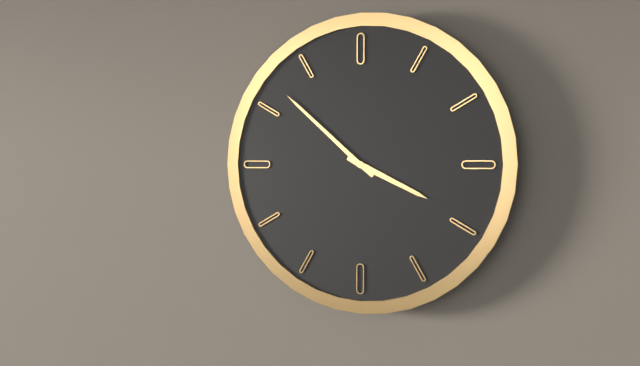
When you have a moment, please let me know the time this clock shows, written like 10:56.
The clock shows 3:52
